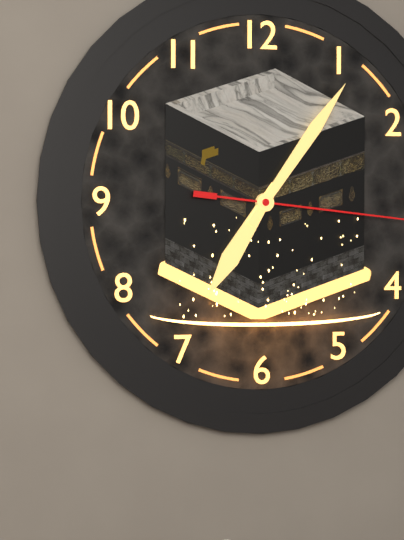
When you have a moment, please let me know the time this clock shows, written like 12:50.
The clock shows 7:06
